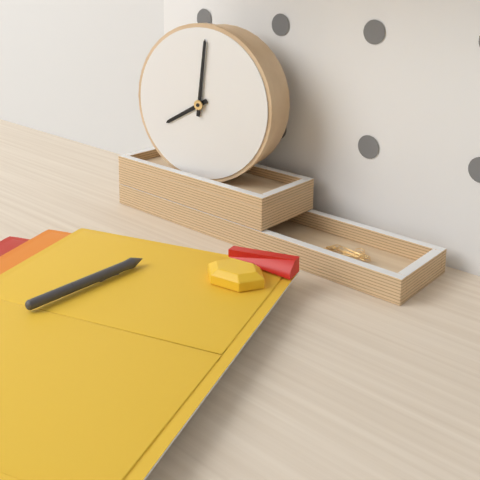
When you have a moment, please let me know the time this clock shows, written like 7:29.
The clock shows 8:01
